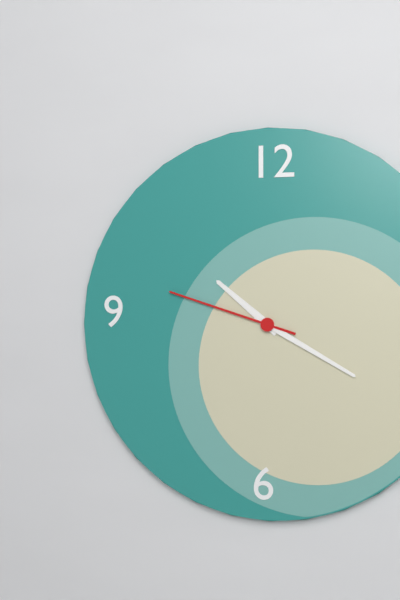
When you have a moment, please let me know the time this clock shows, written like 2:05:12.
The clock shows 10:20:48
